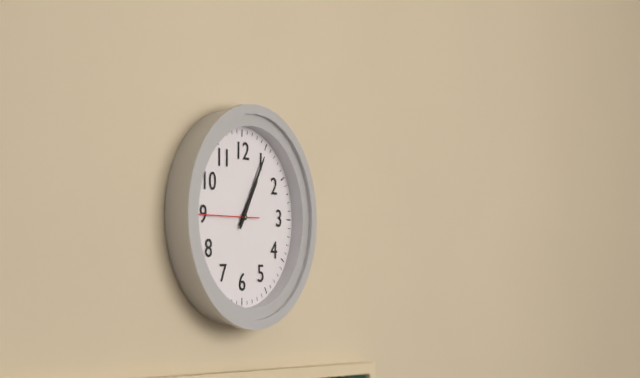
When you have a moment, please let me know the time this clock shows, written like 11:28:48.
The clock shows 1:05:45
